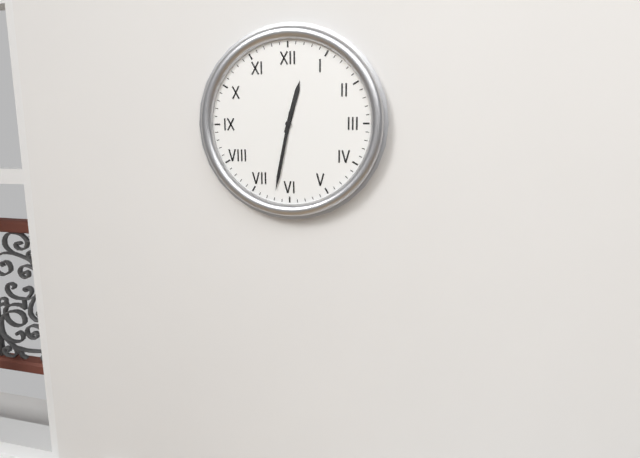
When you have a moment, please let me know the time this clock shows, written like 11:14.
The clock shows 12:32
